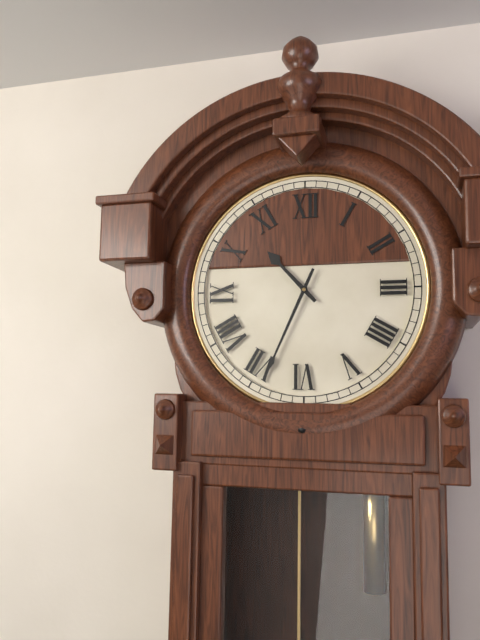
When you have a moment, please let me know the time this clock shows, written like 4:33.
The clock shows 10:34
